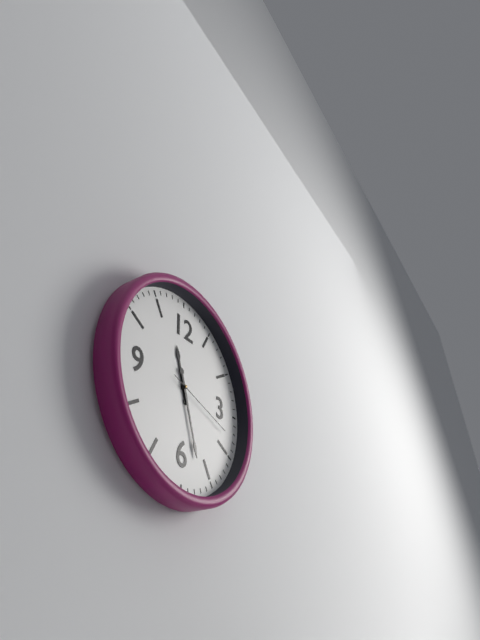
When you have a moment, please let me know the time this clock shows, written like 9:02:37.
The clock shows 11:27:18
